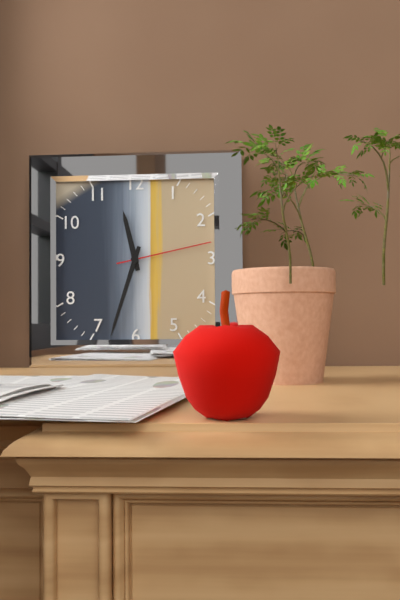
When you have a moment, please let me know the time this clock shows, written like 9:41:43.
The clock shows 11:33:13
